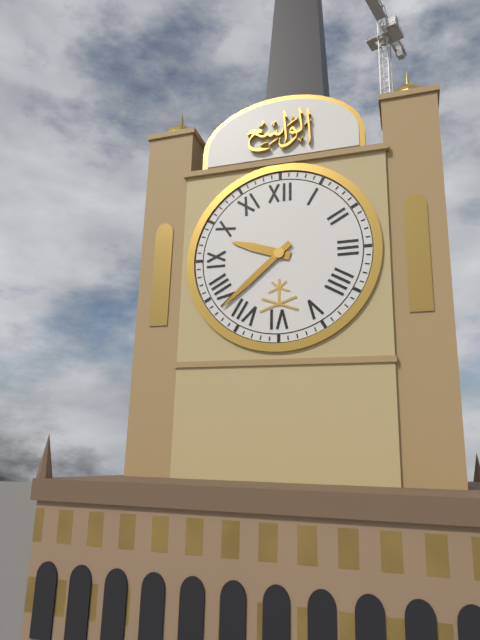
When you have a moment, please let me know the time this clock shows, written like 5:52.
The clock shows 9:38
